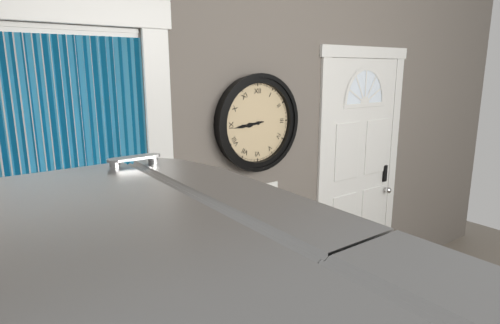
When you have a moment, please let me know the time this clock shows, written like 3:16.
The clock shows 8:44
